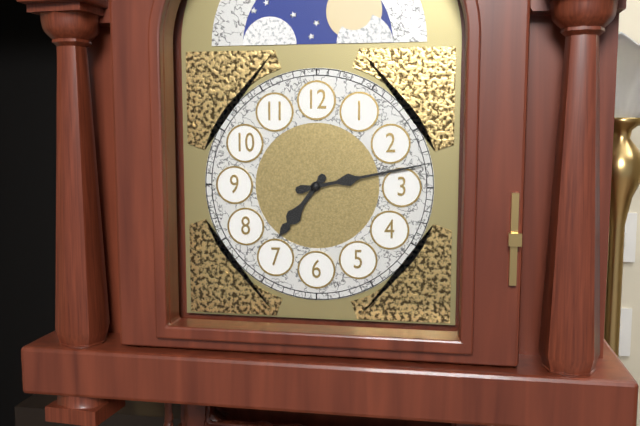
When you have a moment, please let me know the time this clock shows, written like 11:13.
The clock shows 7:13
